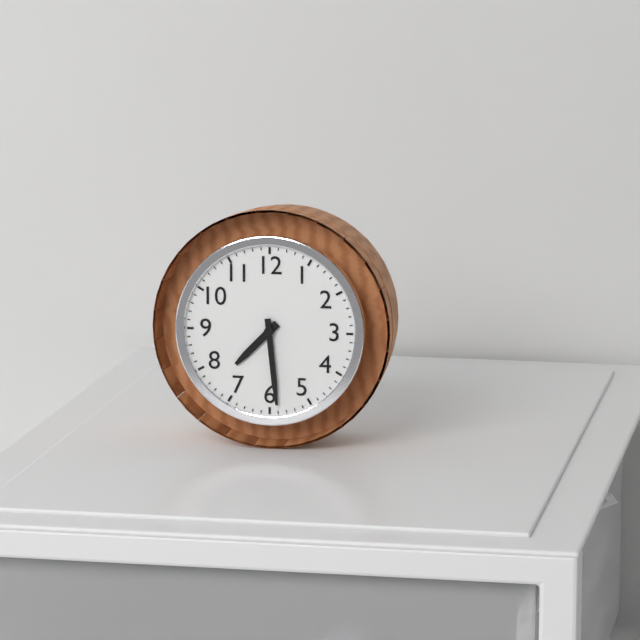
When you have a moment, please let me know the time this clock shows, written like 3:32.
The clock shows 7:29
